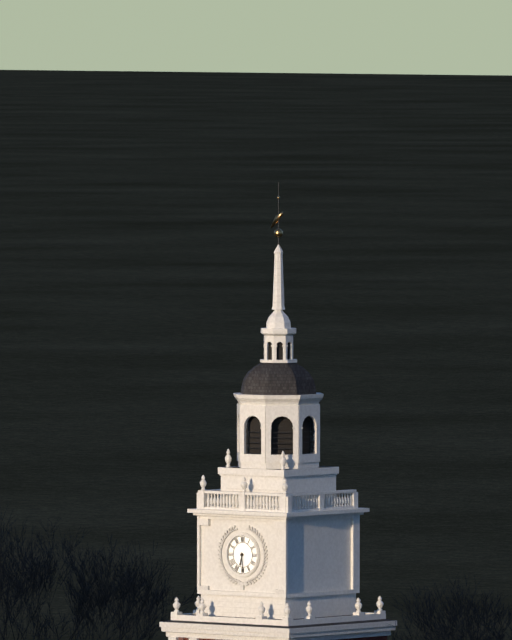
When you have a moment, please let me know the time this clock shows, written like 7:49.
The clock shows 6:29
